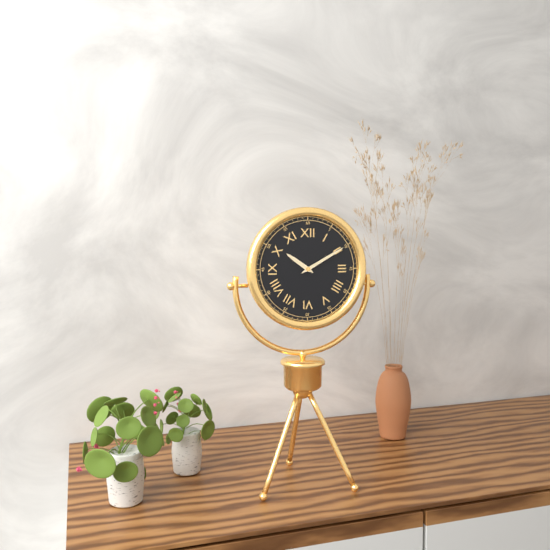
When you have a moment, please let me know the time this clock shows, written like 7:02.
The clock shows 10:10
